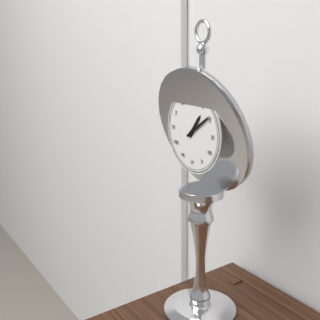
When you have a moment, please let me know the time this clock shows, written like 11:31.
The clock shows 1:09
